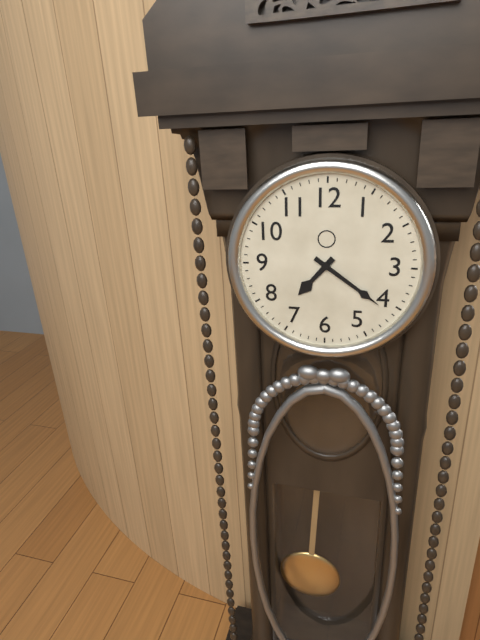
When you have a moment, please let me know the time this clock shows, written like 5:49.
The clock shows 7:21
